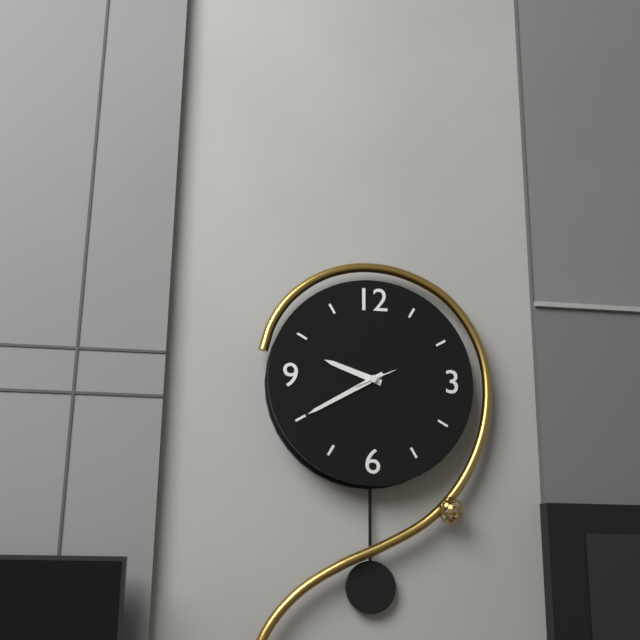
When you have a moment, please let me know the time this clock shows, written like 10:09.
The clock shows 9:40
